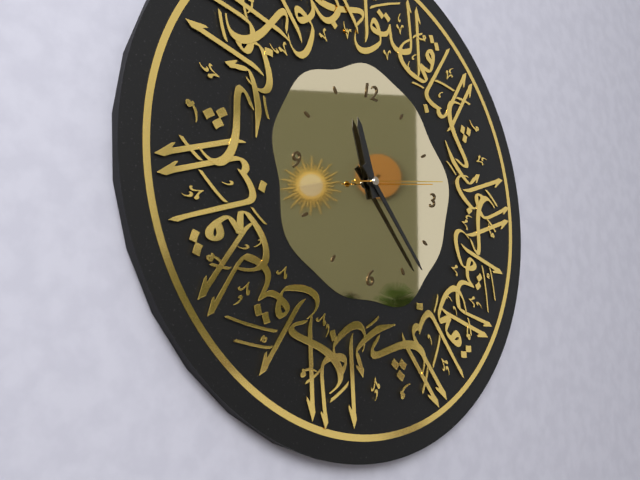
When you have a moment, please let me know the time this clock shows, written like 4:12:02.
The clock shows 11:23:13
